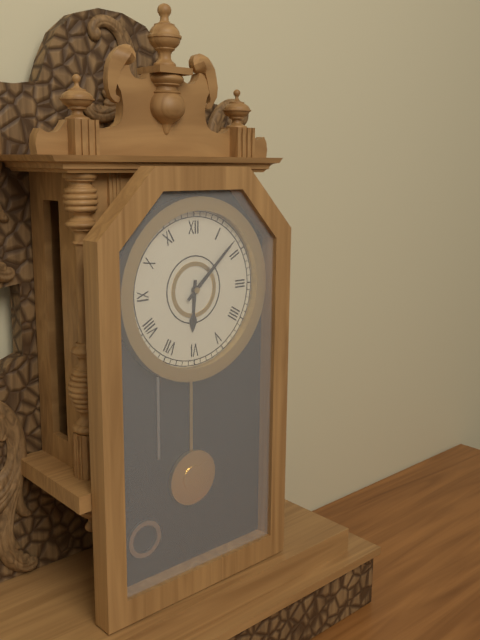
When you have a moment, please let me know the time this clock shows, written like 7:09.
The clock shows 6:08
